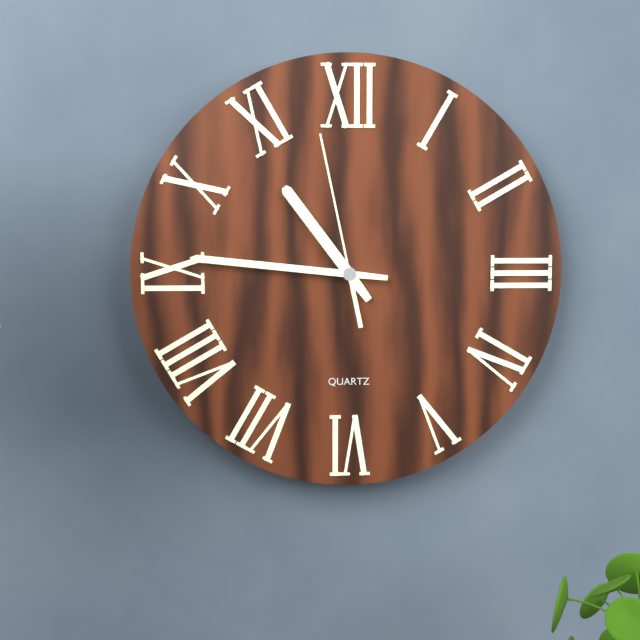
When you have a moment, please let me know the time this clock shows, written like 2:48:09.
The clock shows 10:46:58
